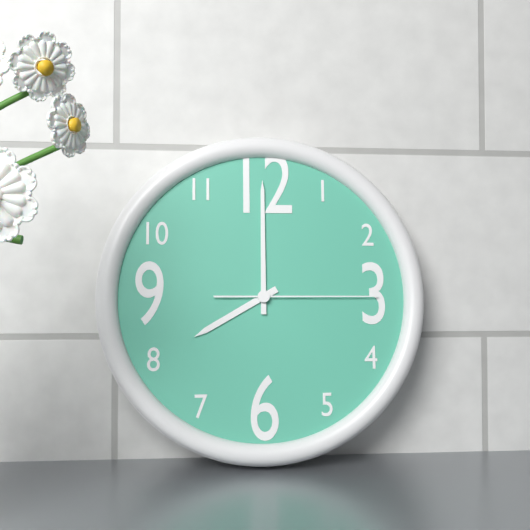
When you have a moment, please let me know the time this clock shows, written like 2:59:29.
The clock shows 8:00:15
